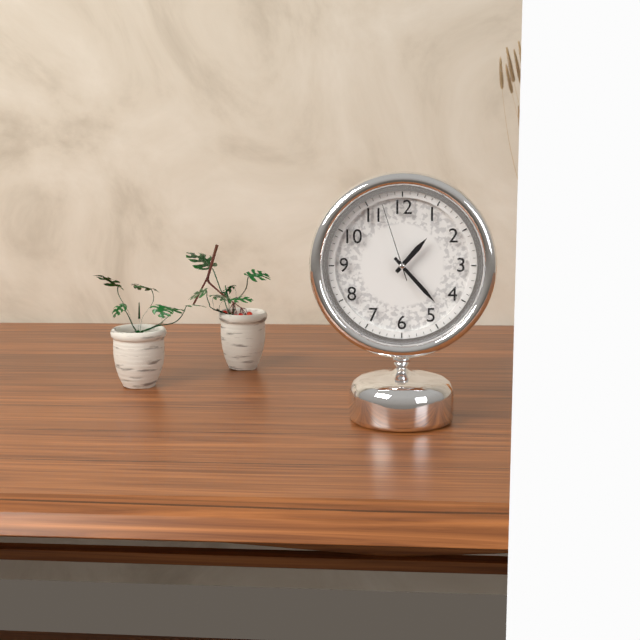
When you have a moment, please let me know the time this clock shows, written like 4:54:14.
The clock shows 1:23:57
